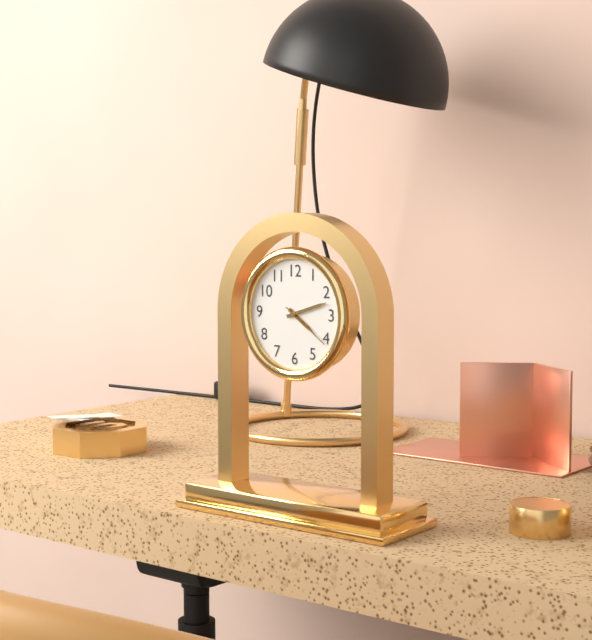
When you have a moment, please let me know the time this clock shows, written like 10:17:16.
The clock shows 4:12:21
